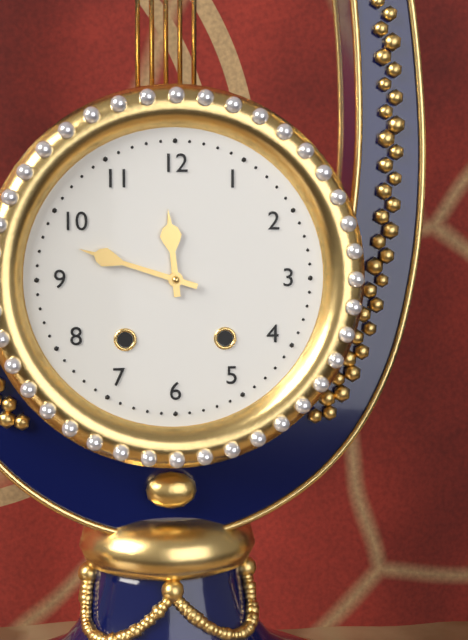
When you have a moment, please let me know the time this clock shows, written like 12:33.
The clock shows 11:48
